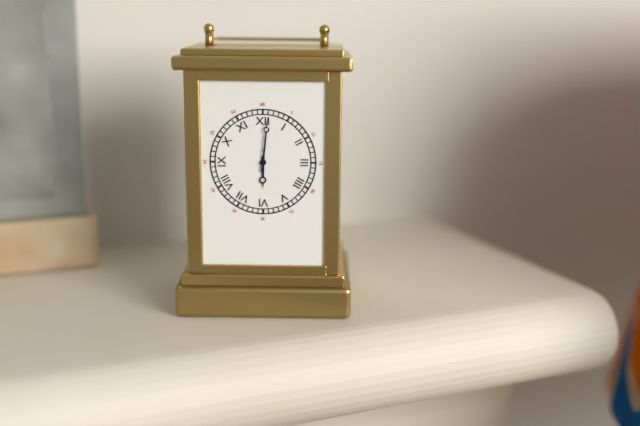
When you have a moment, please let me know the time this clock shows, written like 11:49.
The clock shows 6:01
